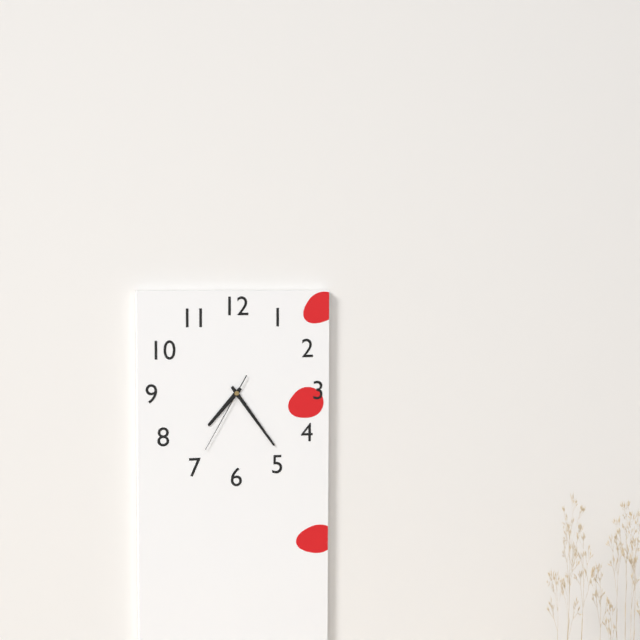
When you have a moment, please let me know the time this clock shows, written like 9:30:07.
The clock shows 7:24:35
